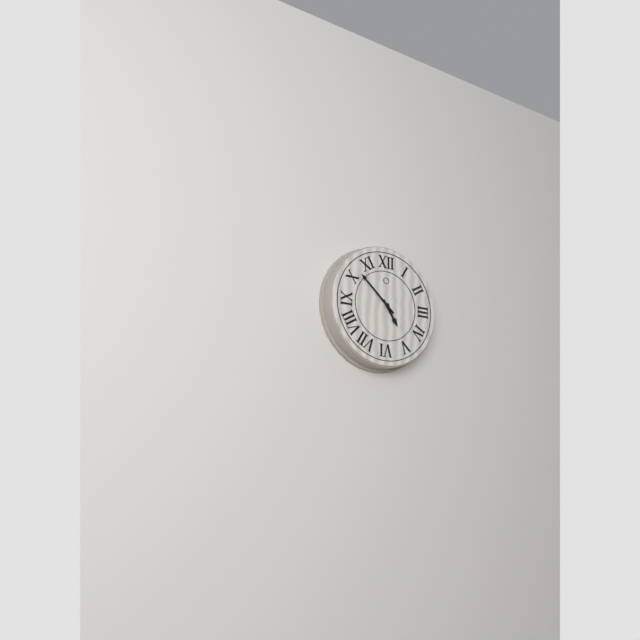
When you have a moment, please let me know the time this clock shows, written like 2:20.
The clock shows 4:52
